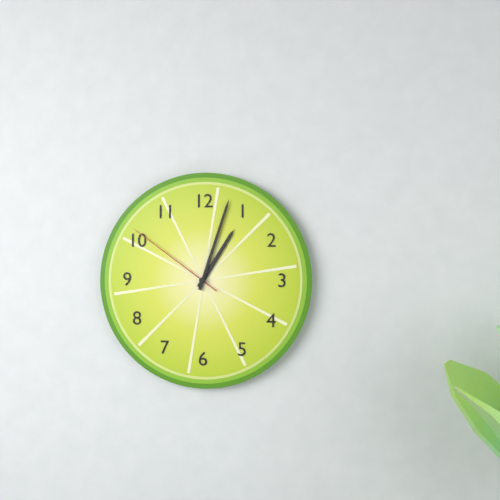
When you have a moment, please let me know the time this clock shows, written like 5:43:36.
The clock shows 1:03:51
